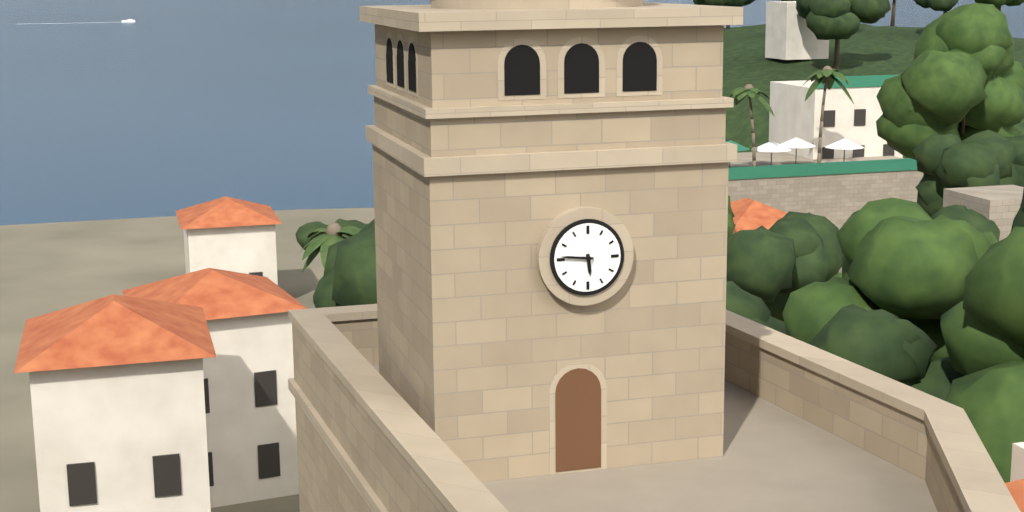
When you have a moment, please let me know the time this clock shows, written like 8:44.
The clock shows 5:46
